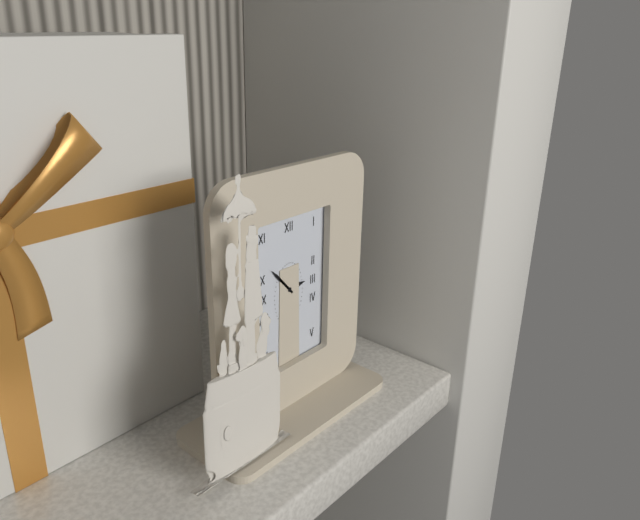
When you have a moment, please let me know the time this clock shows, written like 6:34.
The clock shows 2:53
